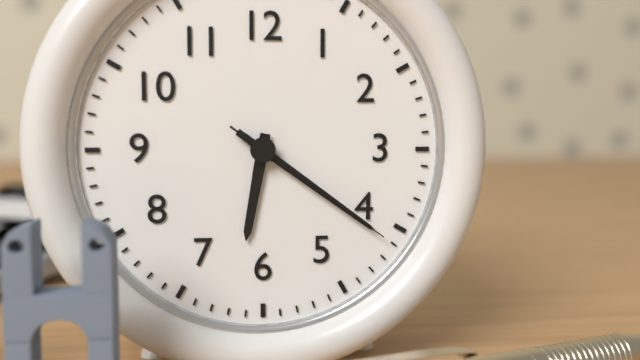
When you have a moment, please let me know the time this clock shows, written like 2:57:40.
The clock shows 6:21:21
